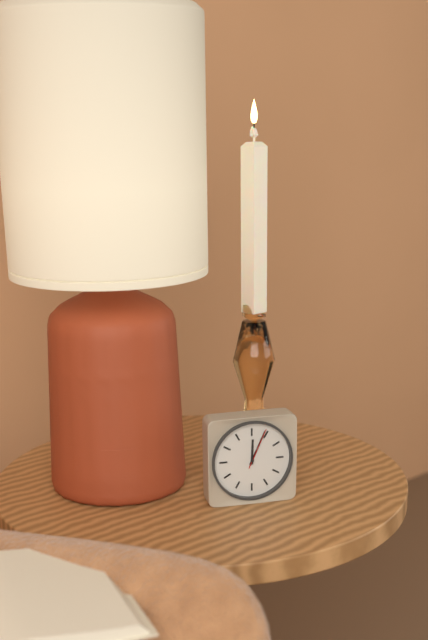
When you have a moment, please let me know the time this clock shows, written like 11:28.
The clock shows 12:04
